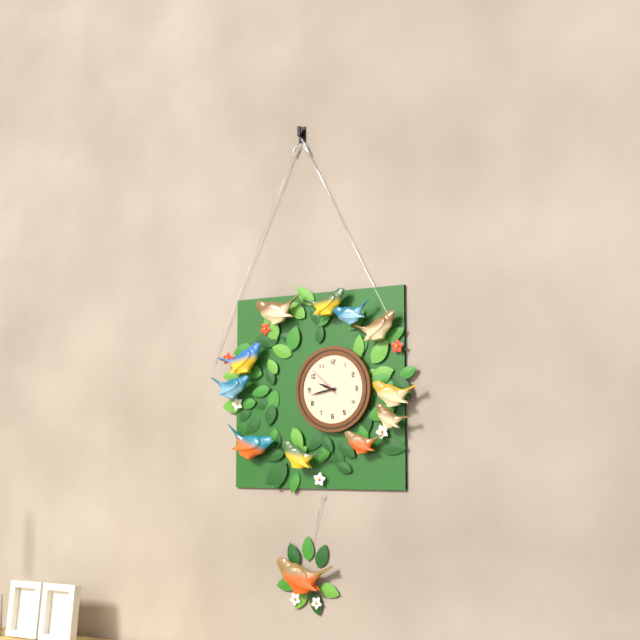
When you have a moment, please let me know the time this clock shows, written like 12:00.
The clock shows 9:43
